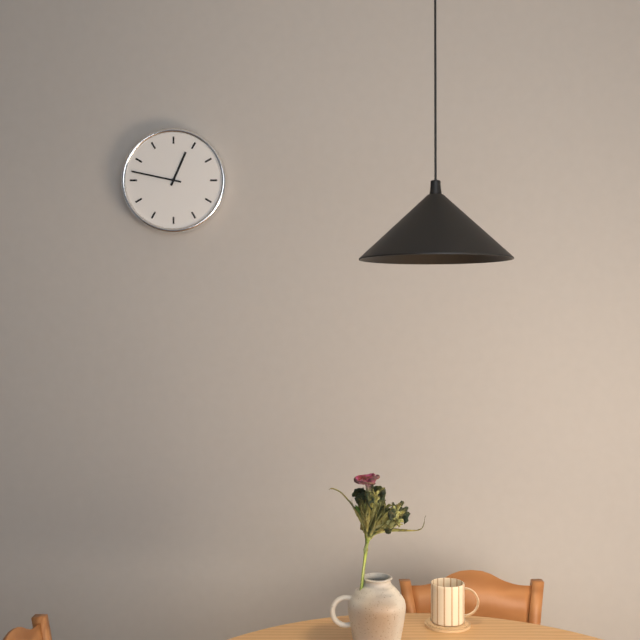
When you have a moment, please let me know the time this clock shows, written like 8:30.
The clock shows 12:47
